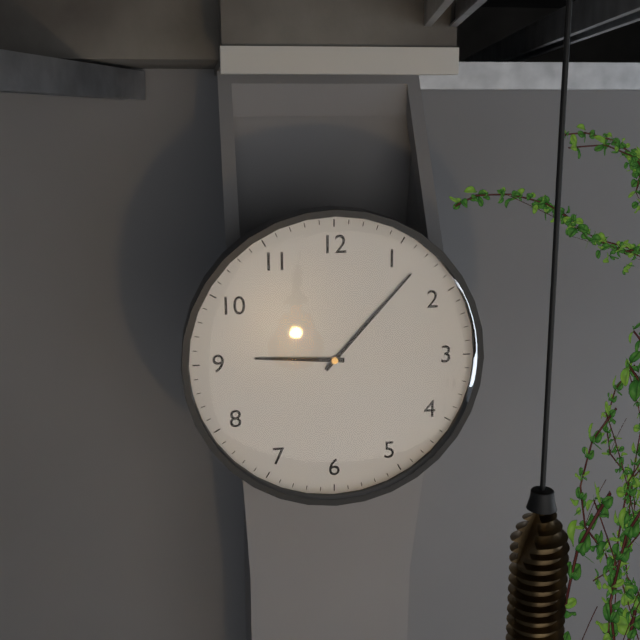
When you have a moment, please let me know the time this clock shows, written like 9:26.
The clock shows 9:07
